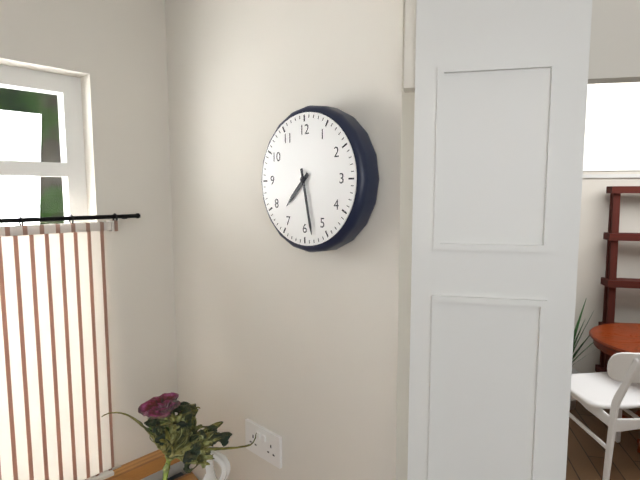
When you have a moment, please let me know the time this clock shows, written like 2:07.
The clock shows 7:28
